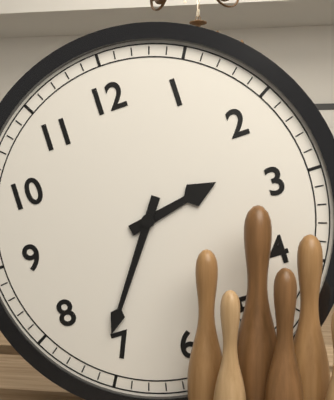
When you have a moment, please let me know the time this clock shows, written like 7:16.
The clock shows 2:36
